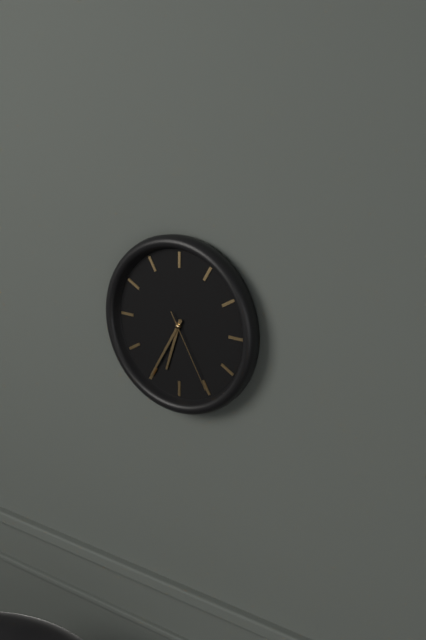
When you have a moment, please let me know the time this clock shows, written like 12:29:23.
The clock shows 6:35:25
